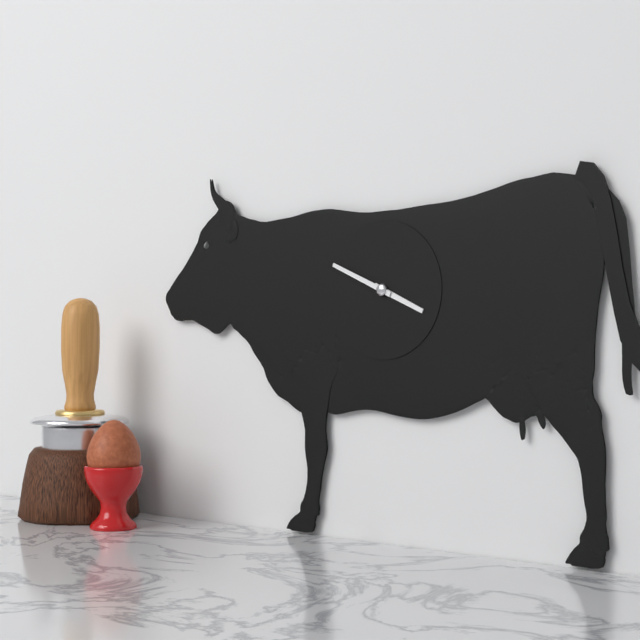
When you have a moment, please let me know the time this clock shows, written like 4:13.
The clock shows 3:49
